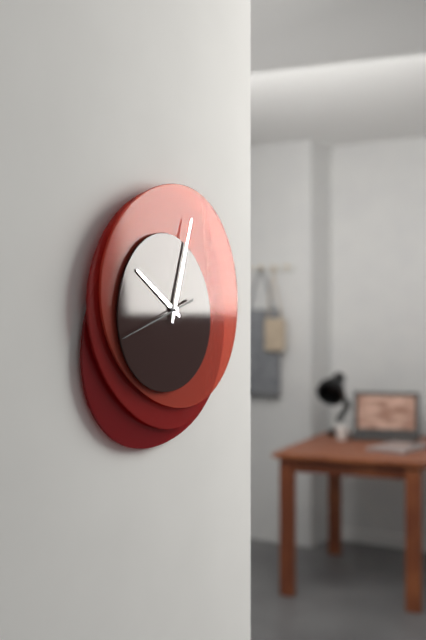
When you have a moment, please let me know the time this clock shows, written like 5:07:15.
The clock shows 10:03:42
